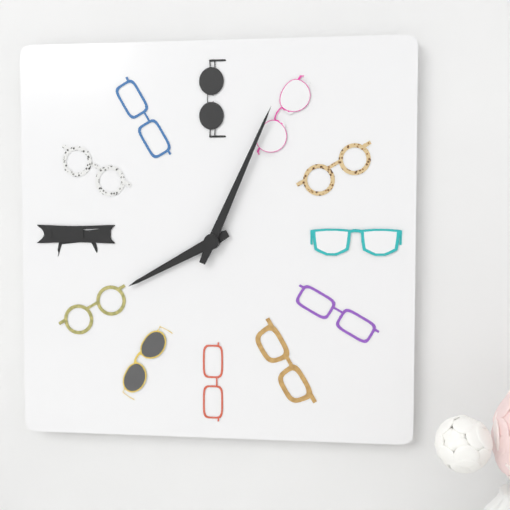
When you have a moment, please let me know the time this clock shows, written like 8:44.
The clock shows 8:04
